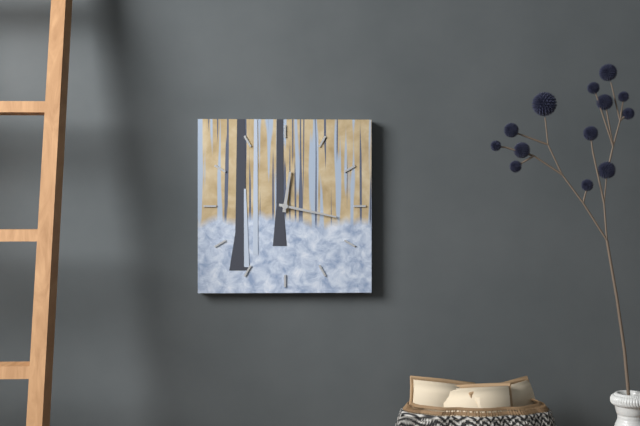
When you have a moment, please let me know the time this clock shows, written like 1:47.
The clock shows 12:17
